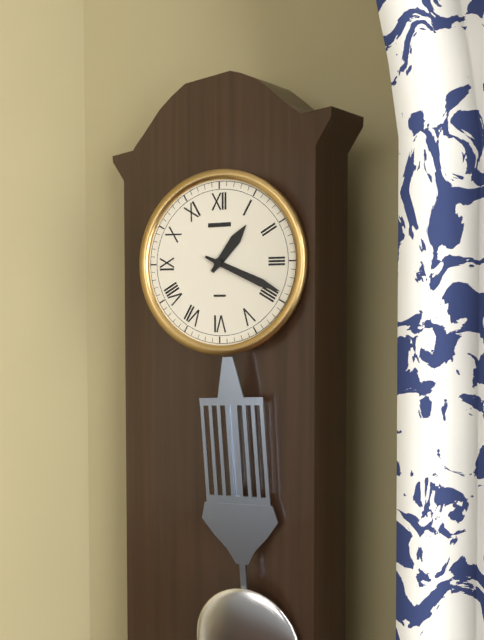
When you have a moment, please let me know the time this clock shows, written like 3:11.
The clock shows 1:19
